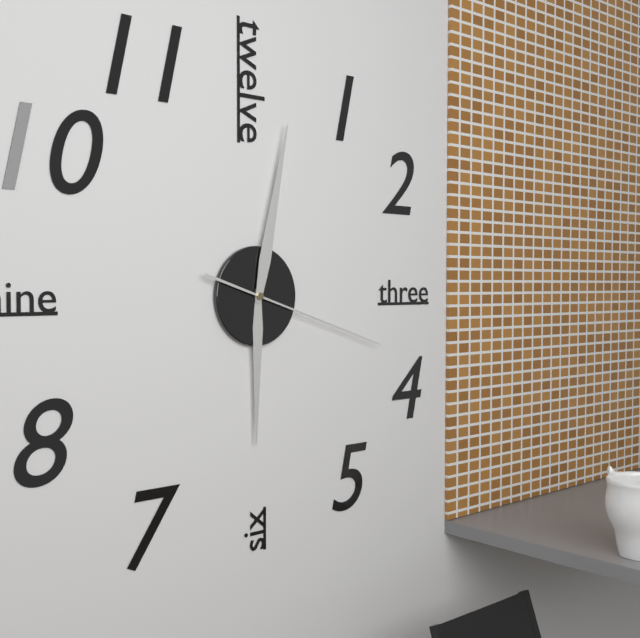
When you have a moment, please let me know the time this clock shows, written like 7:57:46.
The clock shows 6:02:18
